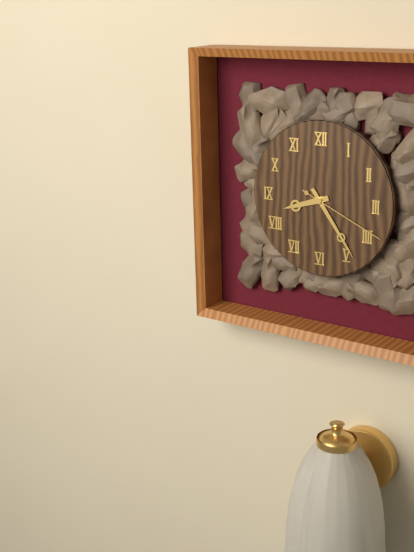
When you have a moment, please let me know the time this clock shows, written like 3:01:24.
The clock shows 8:24:19
